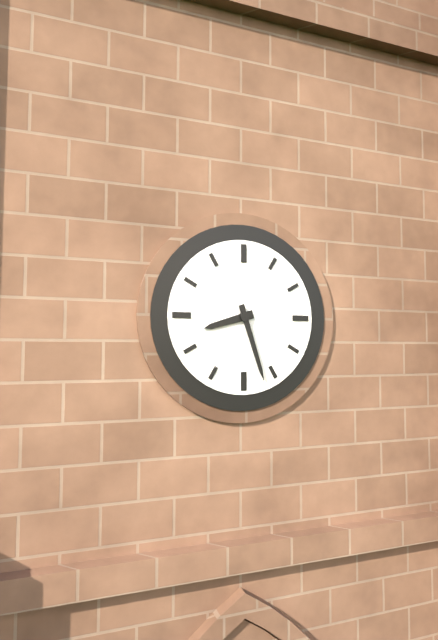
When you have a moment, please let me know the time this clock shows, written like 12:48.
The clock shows 8:27
